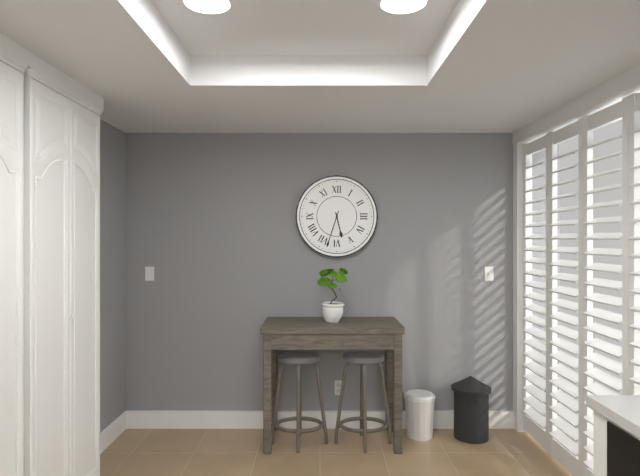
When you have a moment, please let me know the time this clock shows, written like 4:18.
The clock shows 5:33
